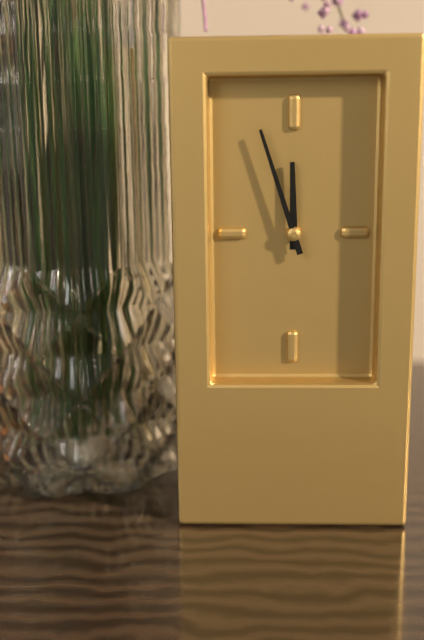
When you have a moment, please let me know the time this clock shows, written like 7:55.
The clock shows 11:57
